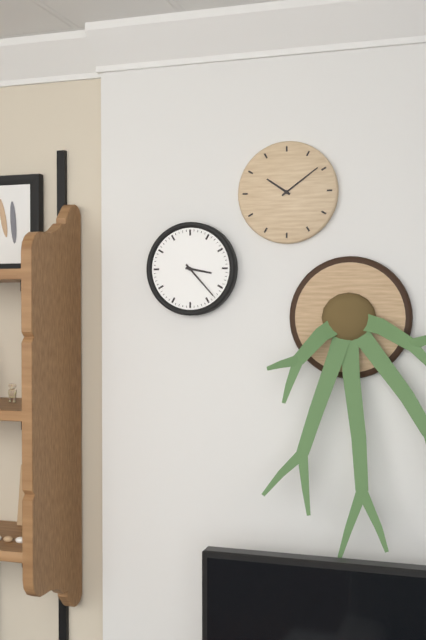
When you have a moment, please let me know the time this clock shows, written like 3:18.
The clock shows 3:23
